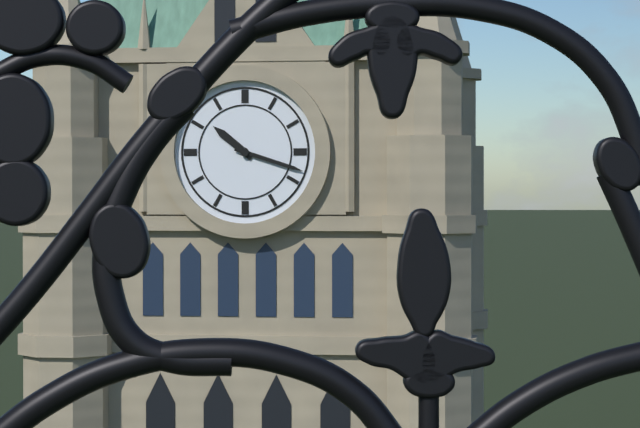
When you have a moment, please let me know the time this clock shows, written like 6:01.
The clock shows 10:18
